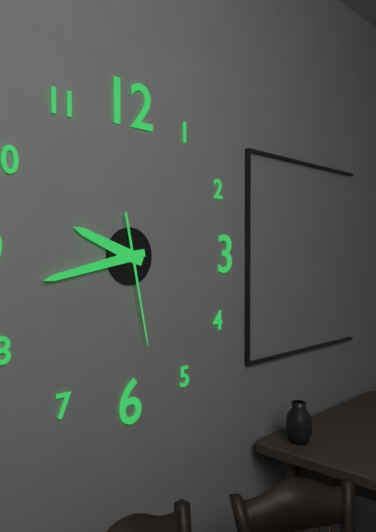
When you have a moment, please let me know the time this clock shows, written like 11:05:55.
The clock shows 9:43:28
